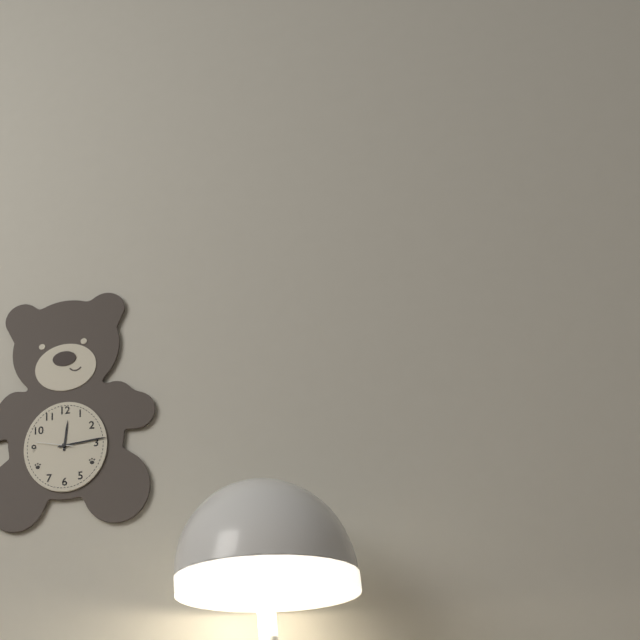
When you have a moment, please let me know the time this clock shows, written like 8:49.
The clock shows 12:14
